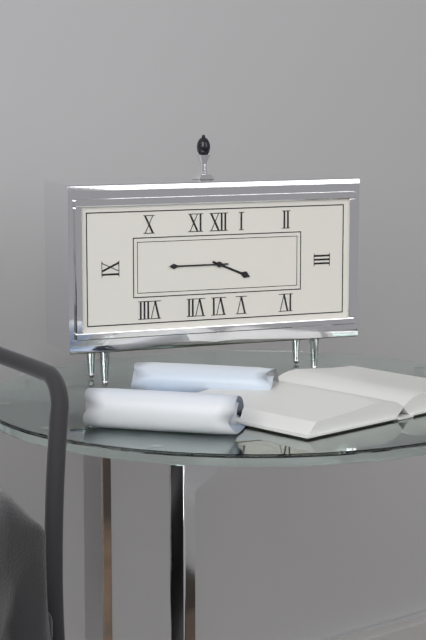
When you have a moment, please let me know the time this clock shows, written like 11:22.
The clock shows 3:45
